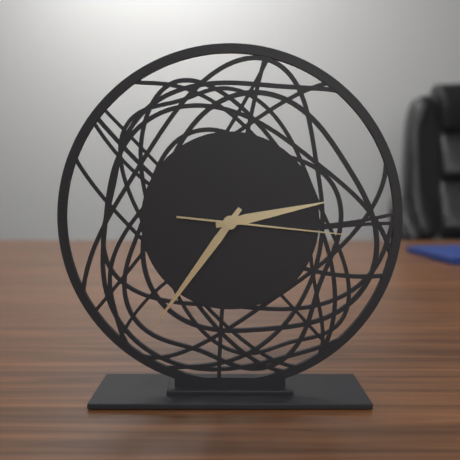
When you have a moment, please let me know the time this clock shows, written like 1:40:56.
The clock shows 2:36:16
